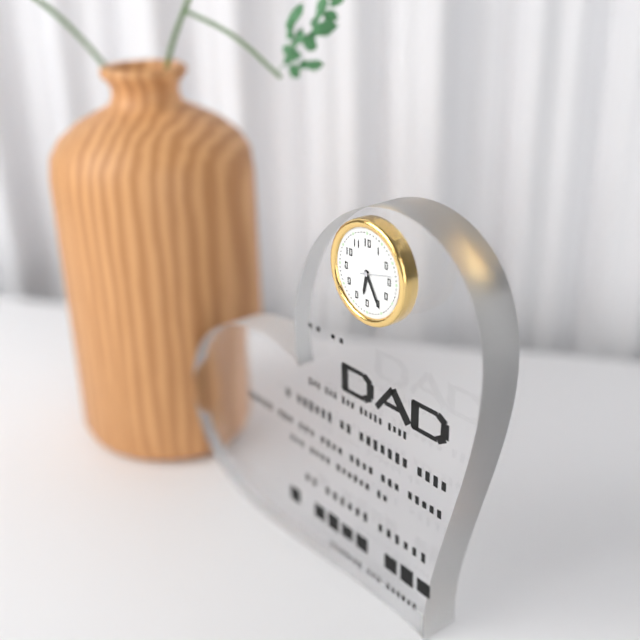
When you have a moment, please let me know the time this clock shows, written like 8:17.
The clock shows 6:25
